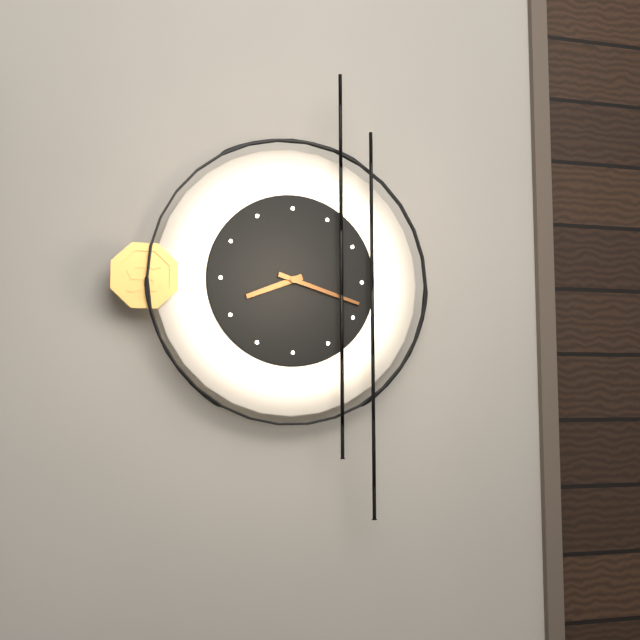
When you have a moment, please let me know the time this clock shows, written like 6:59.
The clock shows 8:18
